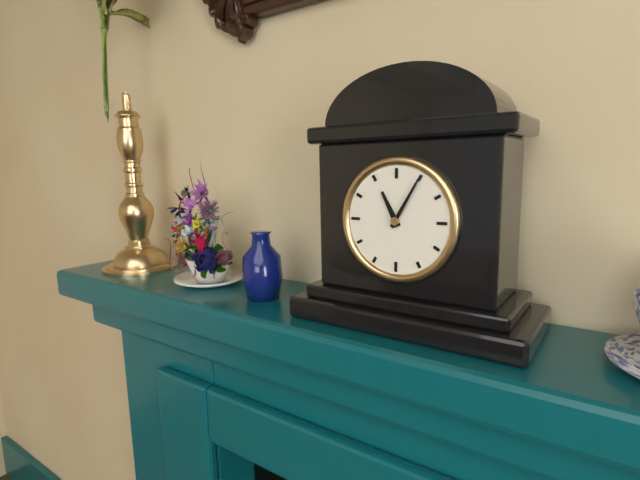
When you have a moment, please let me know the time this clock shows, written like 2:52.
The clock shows 11:05
